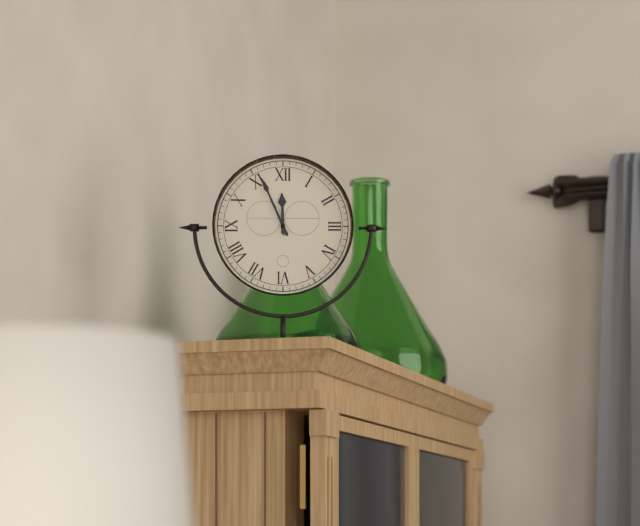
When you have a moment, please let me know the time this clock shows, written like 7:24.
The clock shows 11:56
